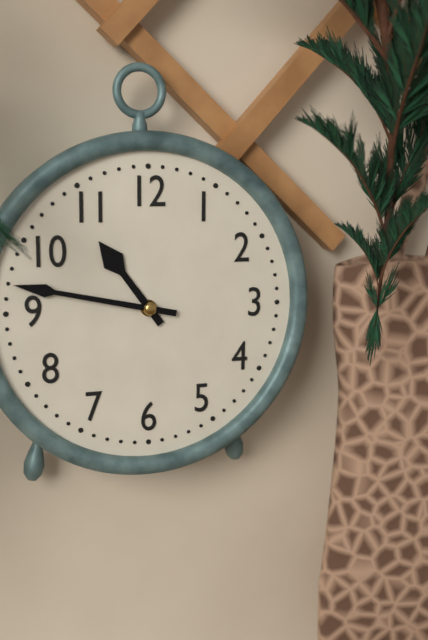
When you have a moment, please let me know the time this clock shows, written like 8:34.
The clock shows 10:47
